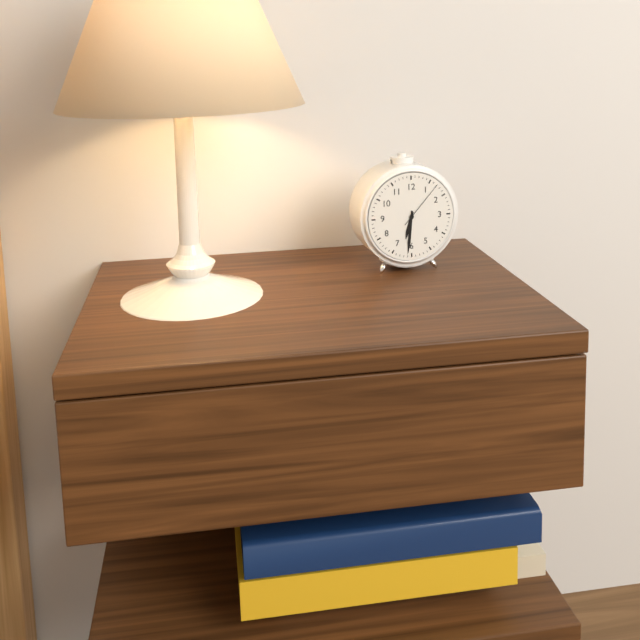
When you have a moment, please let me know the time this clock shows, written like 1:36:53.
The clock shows 6:31:07
